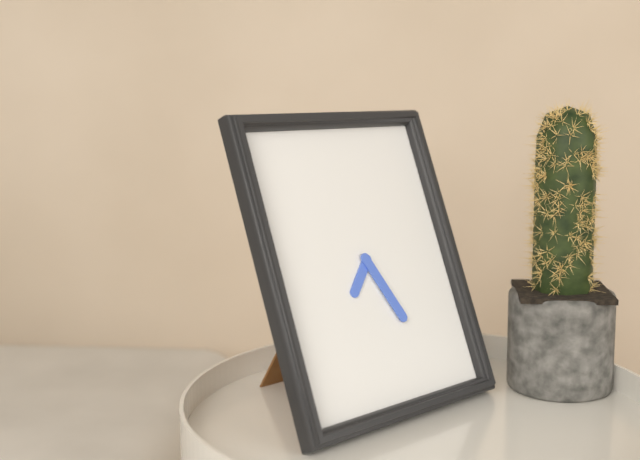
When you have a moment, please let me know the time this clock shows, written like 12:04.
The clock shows 7:26
